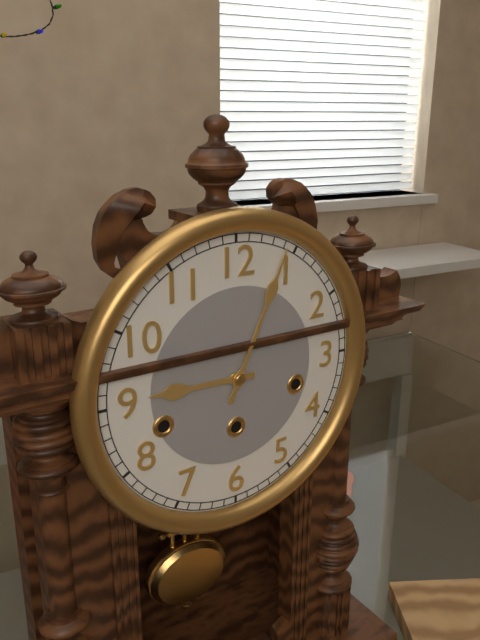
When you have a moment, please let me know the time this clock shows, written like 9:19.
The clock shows 9:04
